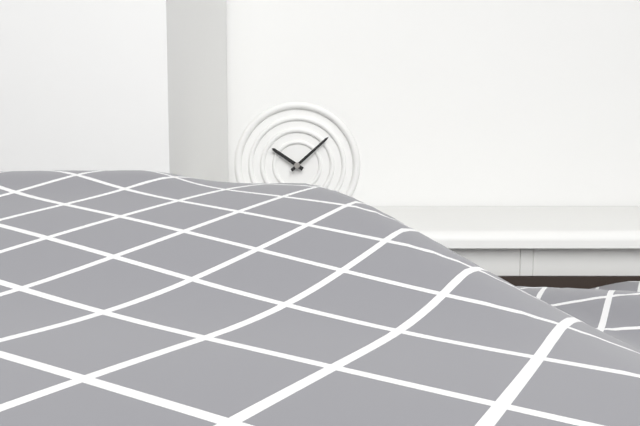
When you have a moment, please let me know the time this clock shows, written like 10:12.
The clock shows 10:08
